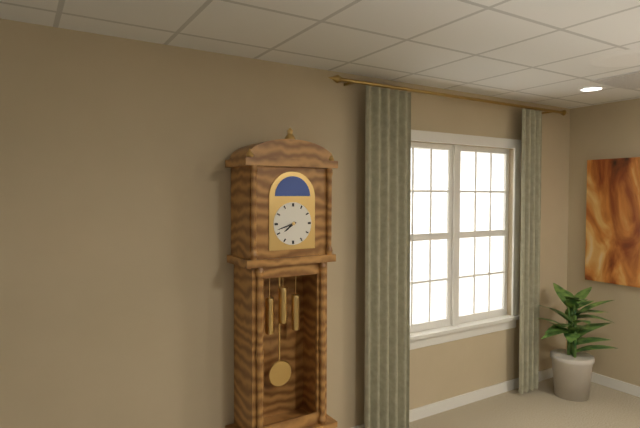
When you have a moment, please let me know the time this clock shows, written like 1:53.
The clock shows 7:42
